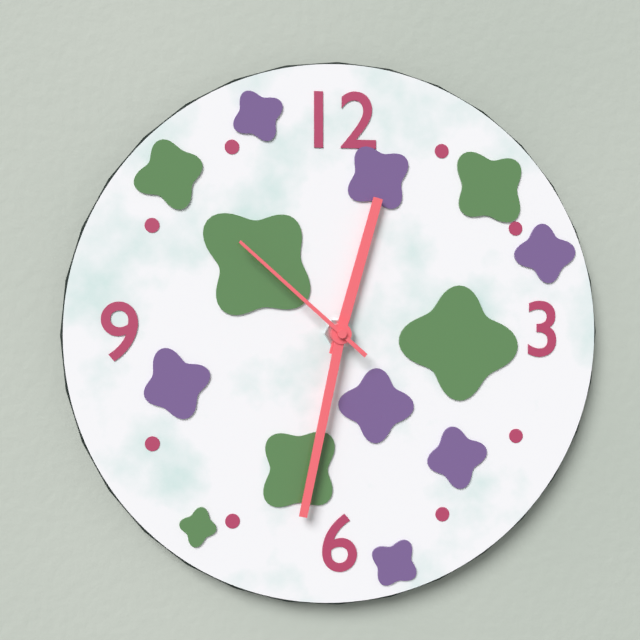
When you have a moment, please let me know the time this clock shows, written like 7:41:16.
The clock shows 12:32:52
